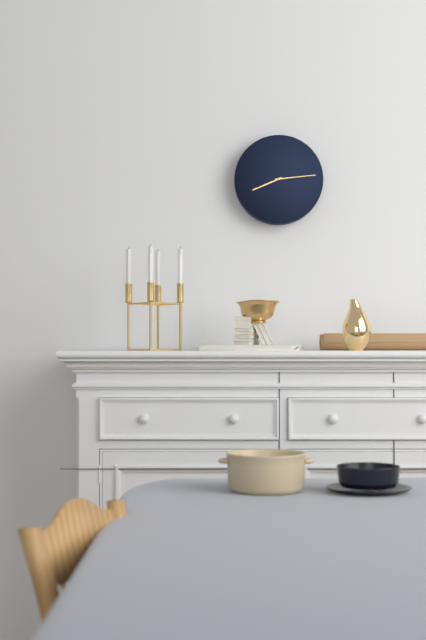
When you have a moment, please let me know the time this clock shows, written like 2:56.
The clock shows 8:14
